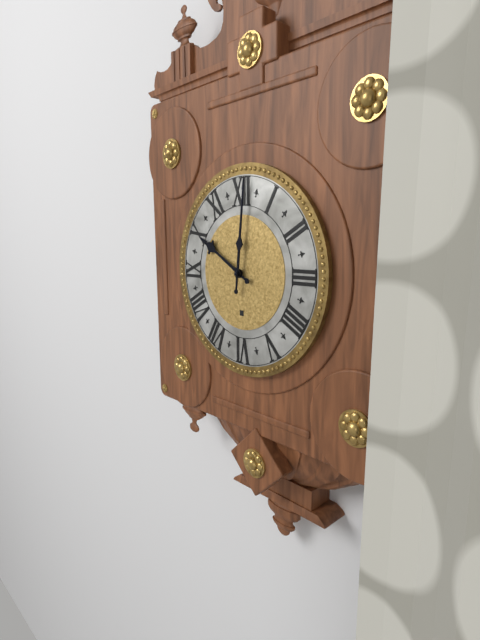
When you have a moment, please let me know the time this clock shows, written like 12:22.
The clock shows 10:01
